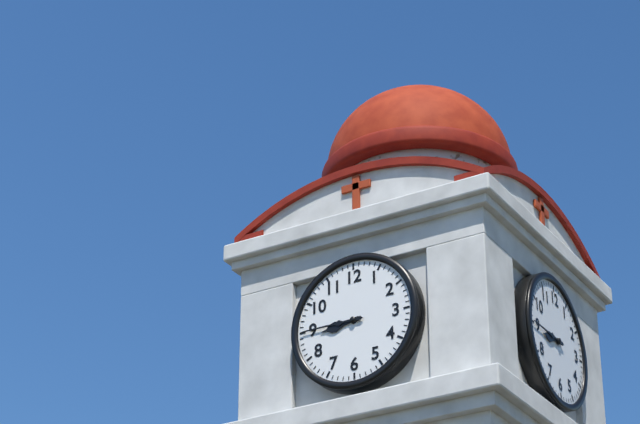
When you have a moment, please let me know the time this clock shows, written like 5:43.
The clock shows 8:45
